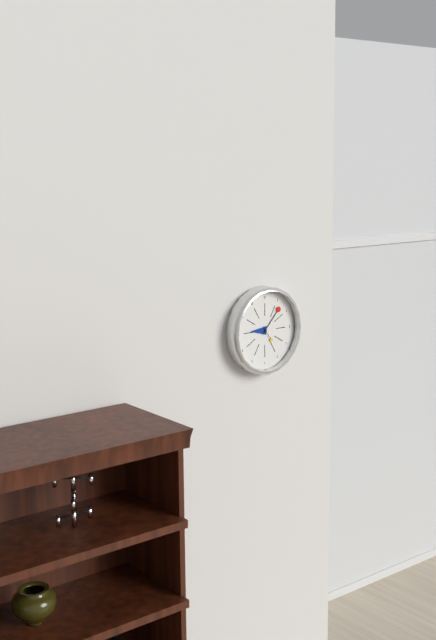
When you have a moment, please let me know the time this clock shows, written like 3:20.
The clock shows 9:07
